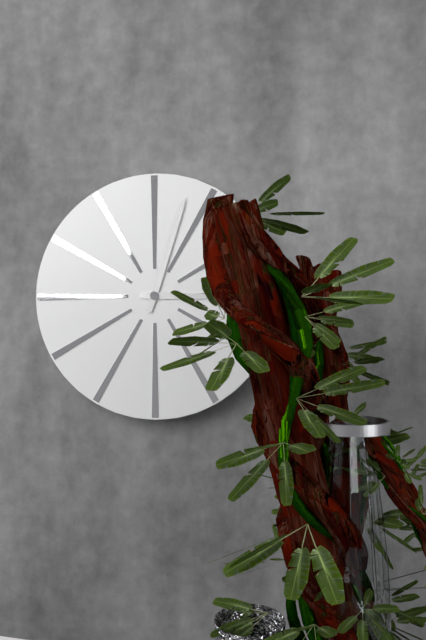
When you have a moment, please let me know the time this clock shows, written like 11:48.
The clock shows 3:03
